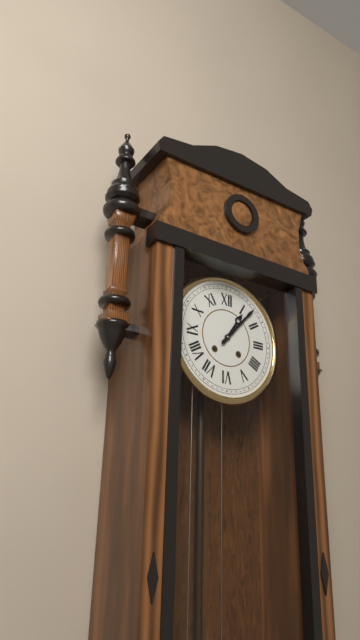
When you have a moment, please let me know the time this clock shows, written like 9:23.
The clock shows 1:07
